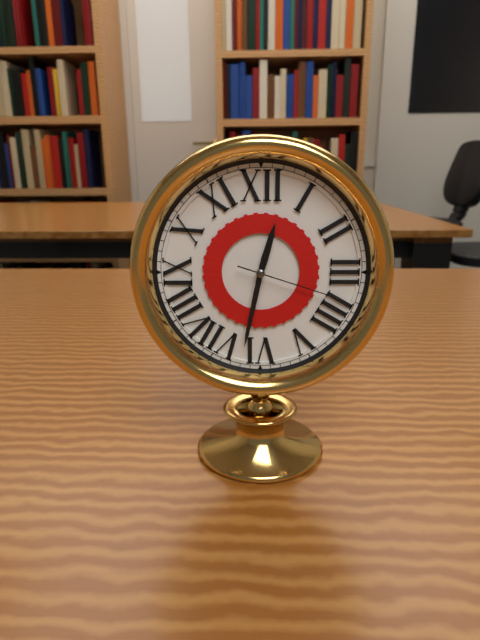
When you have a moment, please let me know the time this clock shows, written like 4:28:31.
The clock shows 12:32:18
